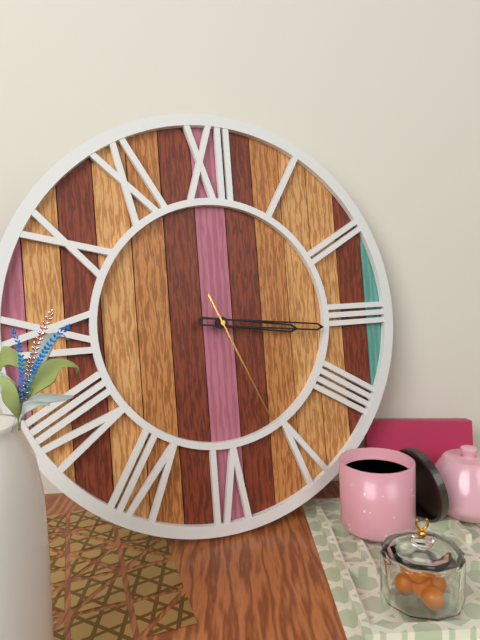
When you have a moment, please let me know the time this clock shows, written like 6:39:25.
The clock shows 3:16:26
